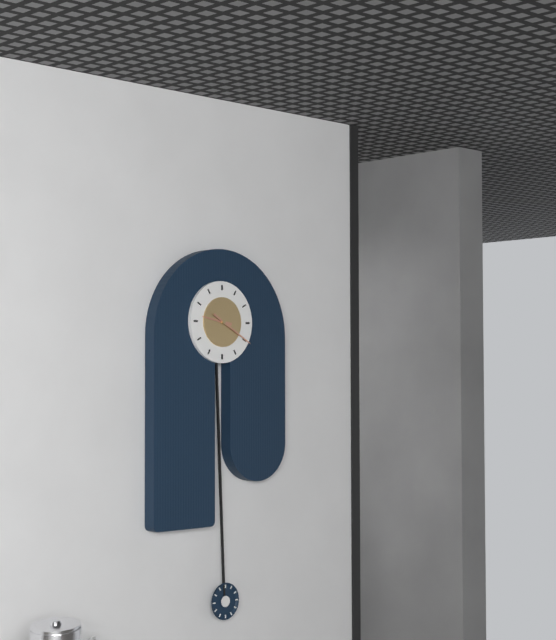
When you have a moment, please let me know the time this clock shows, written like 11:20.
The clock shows 9:20
